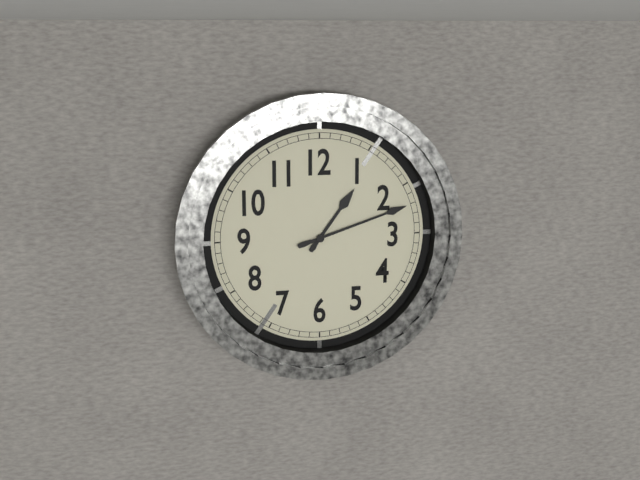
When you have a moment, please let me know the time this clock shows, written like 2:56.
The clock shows 1:12
